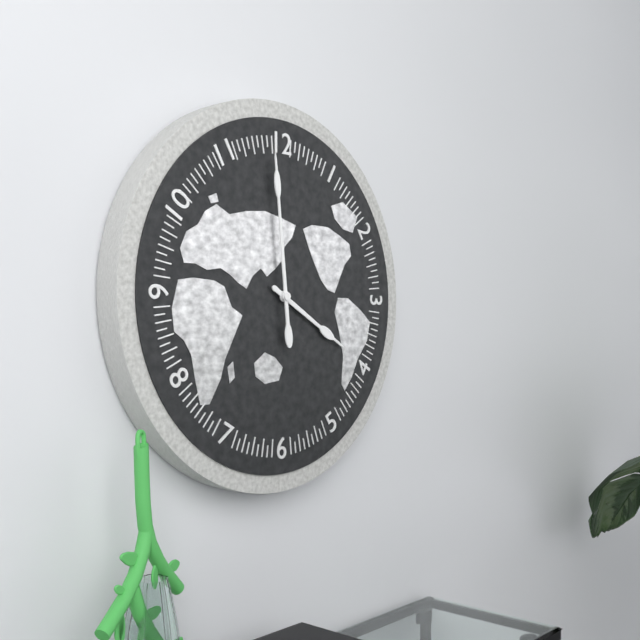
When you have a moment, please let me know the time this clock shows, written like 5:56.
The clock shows 3:59
